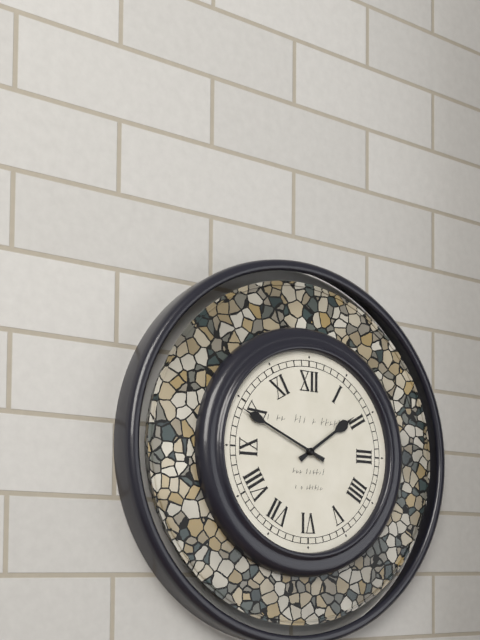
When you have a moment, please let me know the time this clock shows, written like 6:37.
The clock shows 1:49
